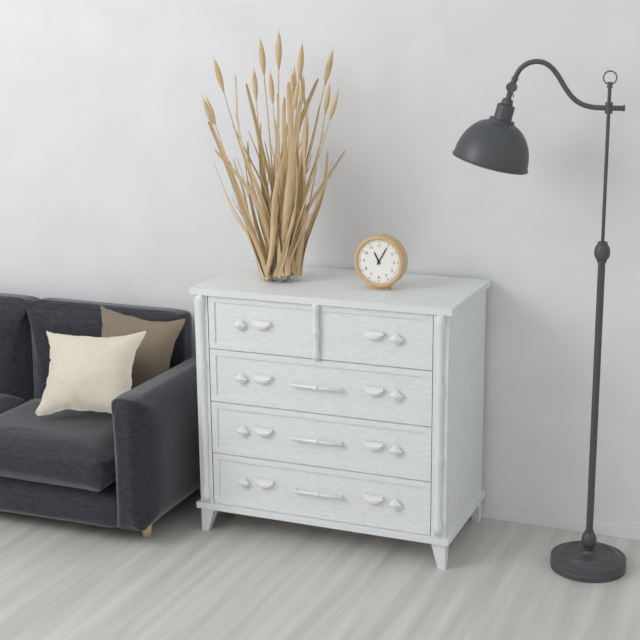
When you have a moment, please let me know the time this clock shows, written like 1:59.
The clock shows 11:05
